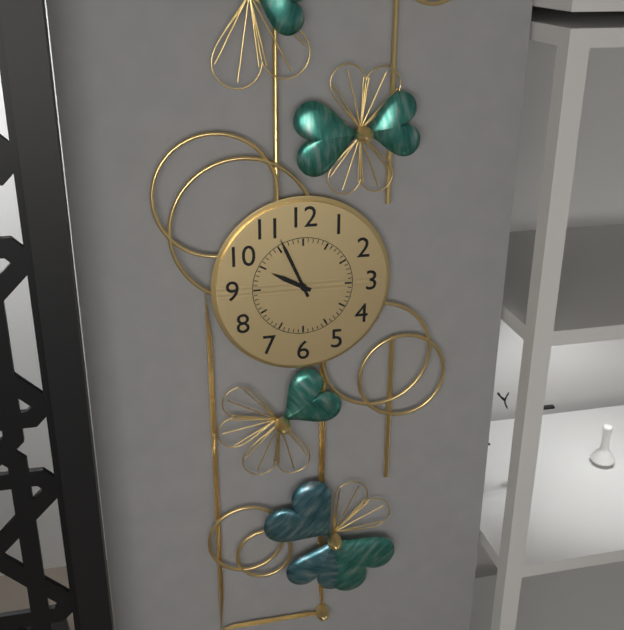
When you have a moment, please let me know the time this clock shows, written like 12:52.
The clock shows 9:56
